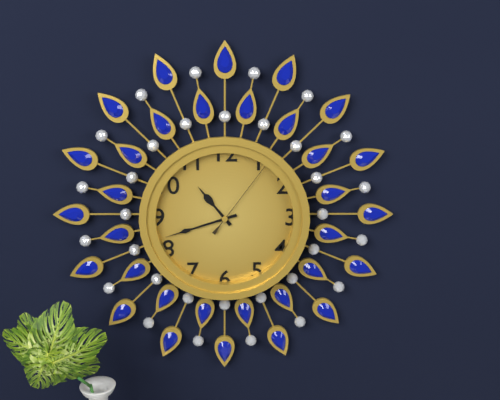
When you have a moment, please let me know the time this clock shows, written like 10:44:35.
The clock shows 10:42:06
